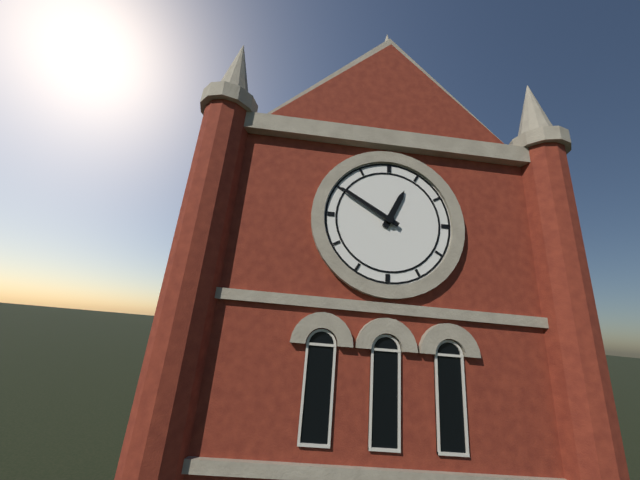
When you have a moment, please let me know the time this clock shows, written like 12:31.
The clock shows 12:50
